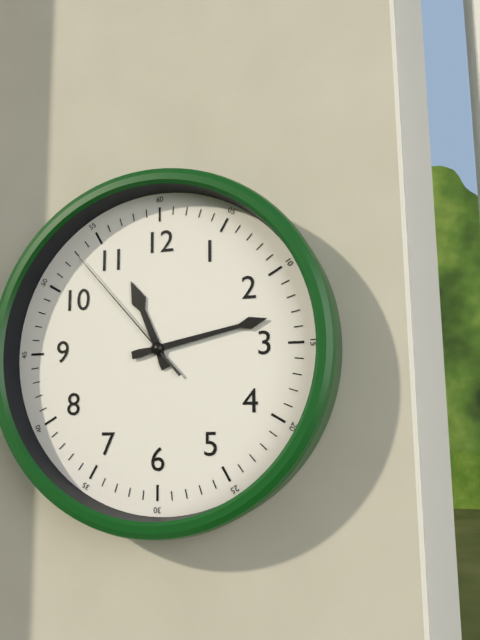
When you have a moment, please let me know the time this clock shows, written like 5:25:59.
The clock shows 11:13:53
